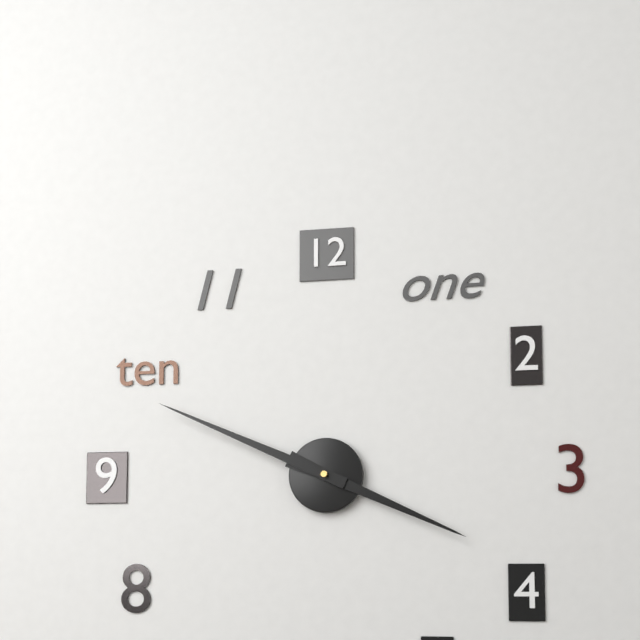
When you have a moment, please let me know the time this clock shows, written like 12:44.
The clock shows 3:49
